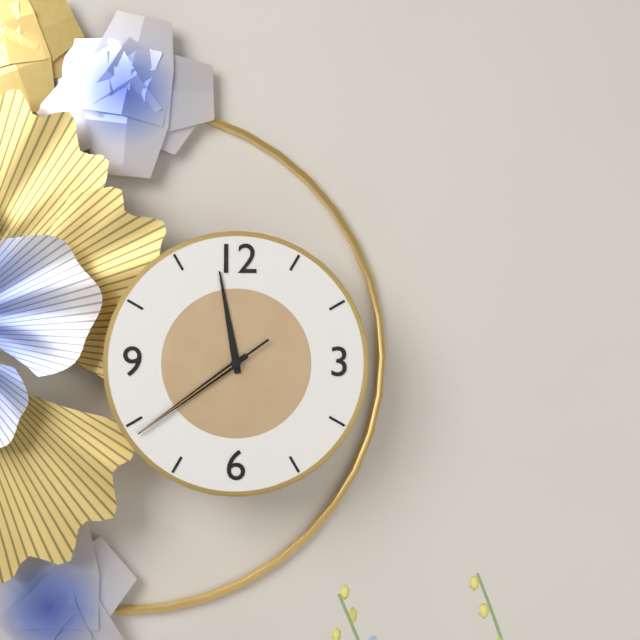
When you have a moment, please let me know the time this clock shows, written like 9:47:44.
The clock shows 11:39:39
